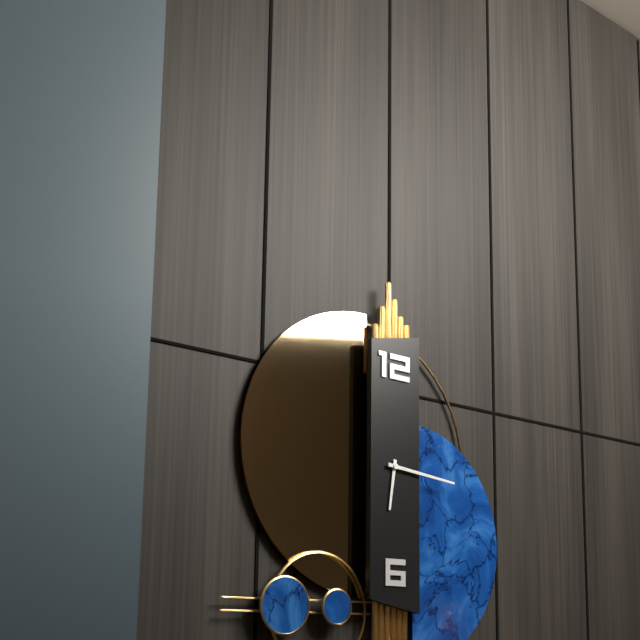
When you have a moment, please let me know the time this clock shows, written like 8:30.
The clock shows 6:16
